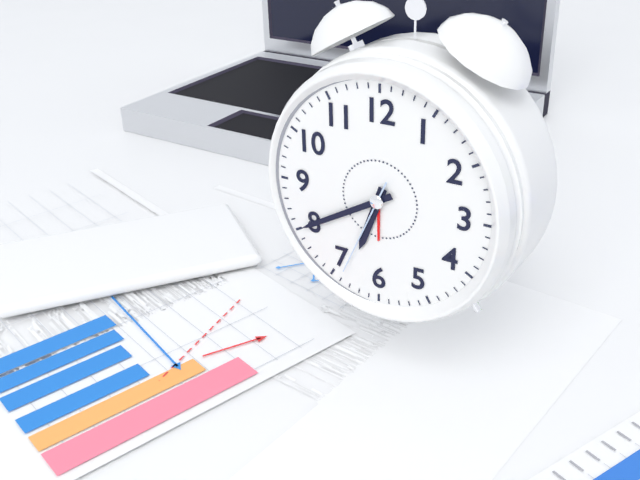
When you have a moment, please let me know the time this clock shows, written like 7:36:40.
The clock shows 6:40:34
